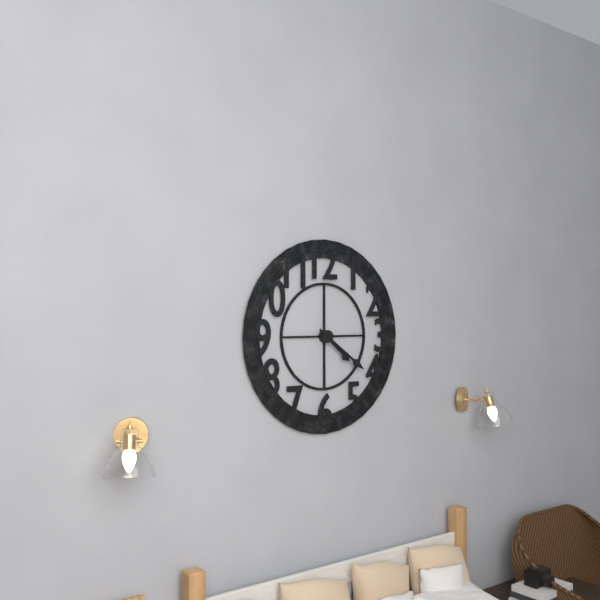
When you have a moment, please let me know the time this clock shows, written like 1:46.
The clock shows 4:21
